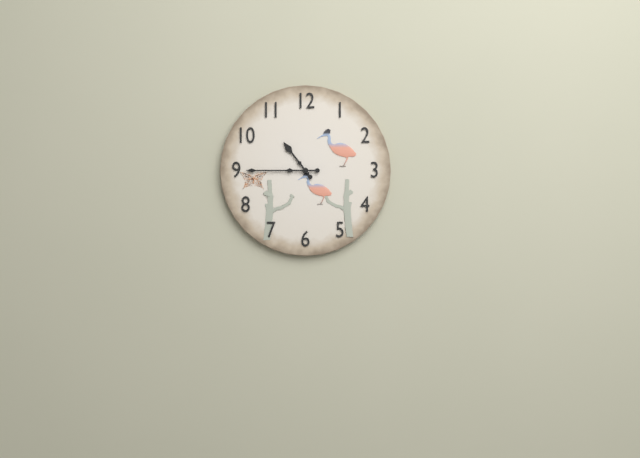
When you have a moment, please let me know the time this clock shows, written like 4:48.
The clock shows 10:45
